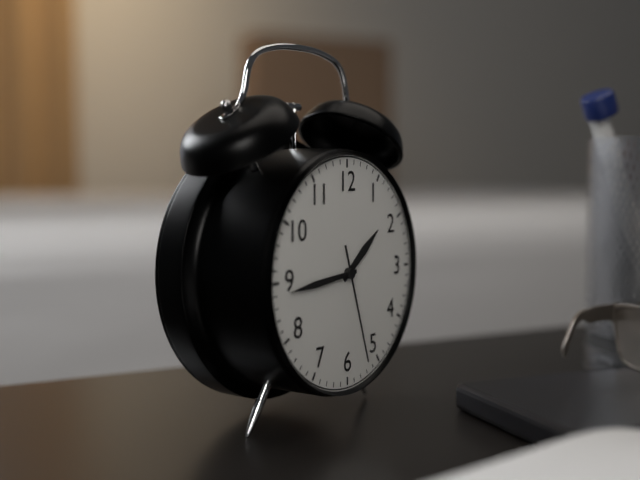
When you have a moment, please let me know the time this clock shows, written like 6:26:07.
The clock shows 1:44:27
